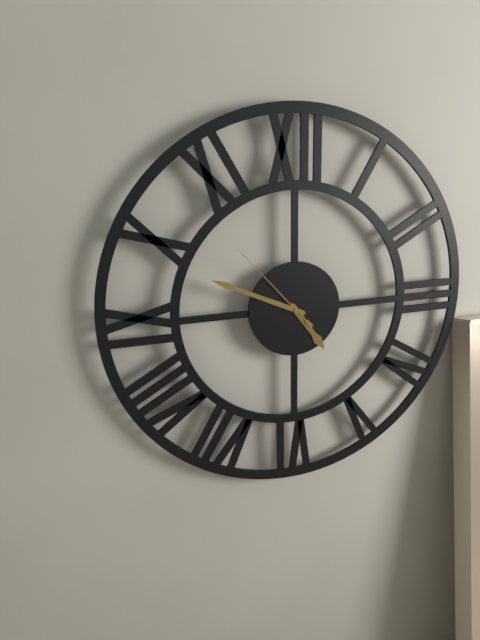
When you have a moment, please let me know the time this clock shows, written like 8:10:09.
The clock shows 4:49:53
